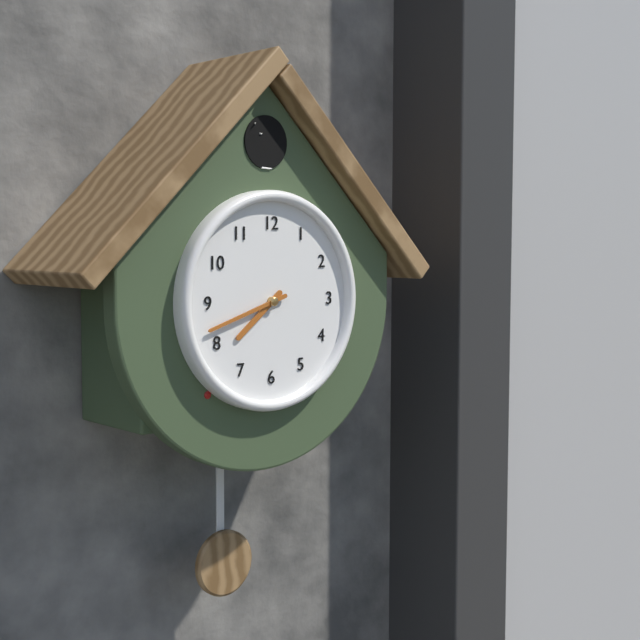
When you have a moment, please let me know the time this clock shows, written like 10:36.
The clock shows 7:42
